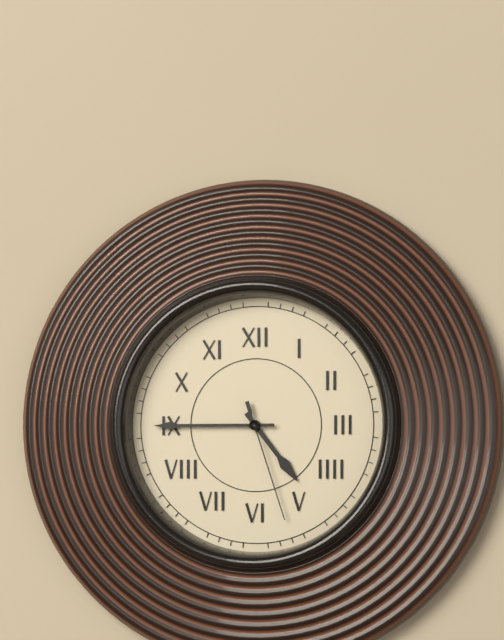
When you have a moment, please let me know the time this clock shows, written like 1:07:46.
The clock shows 4:45:27
